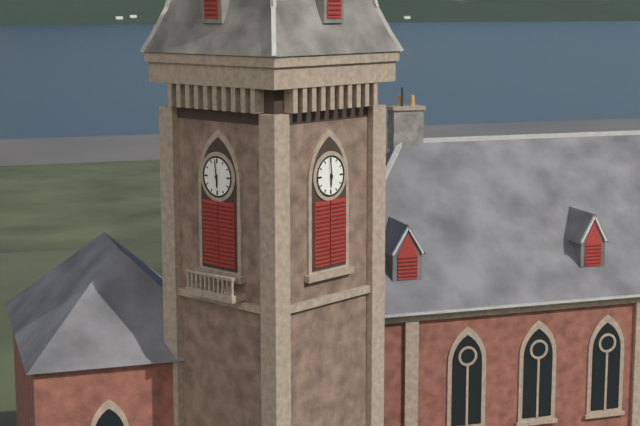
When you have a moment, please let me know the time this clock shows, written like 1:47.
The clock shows 5:59
